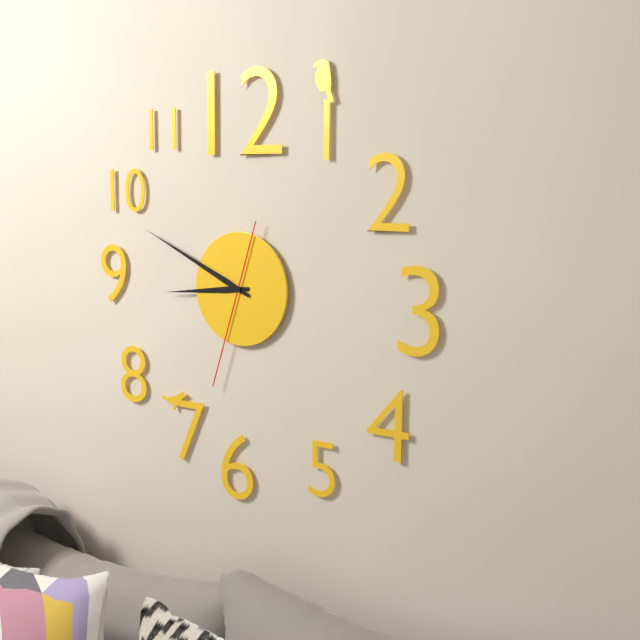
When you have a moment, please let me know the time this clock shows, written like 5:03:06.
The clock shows 8:49:33
